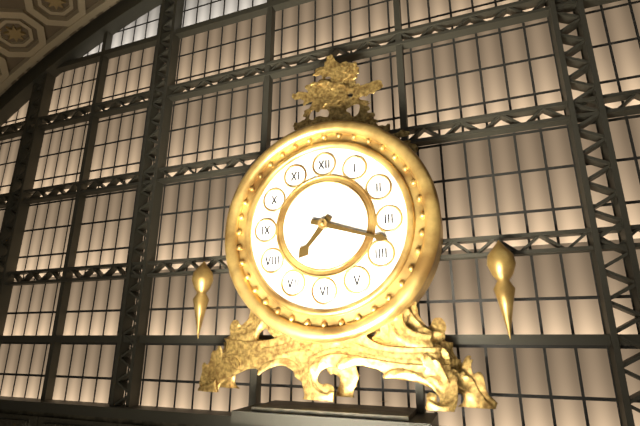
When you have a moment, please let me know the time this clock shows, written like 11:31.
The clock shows 7:18
